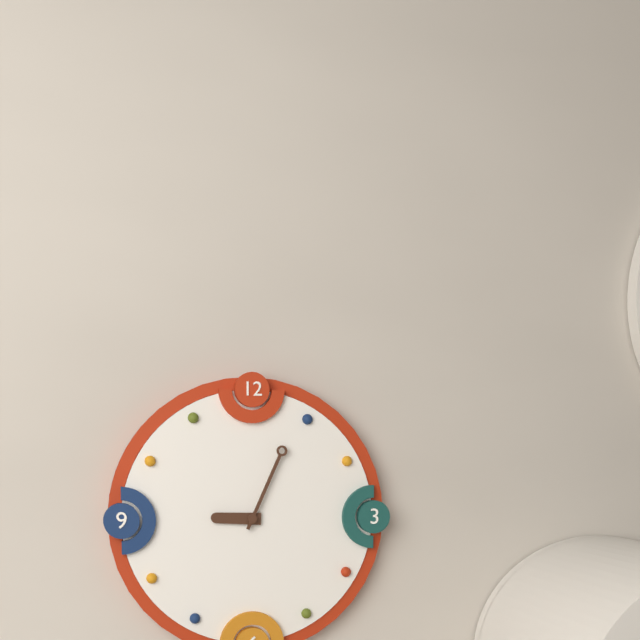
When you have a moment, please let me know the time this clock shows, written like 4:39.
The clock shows 9:04
